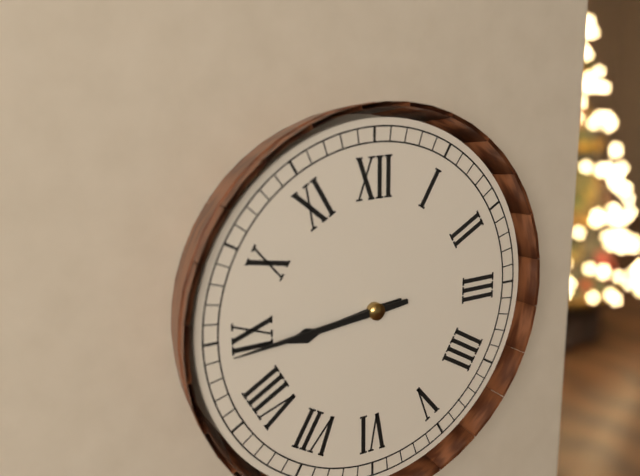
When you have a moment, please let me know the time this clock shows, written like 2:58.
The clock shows 8:44
